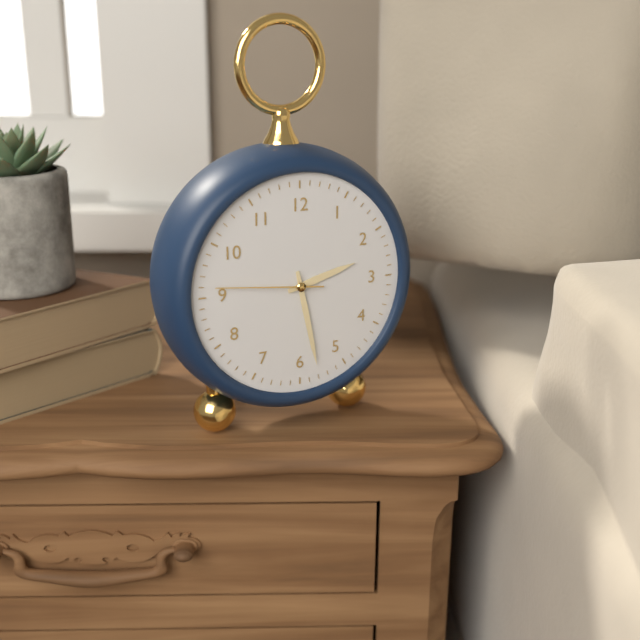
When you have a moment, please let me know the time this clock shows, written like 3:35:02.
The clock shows 2:28:46
